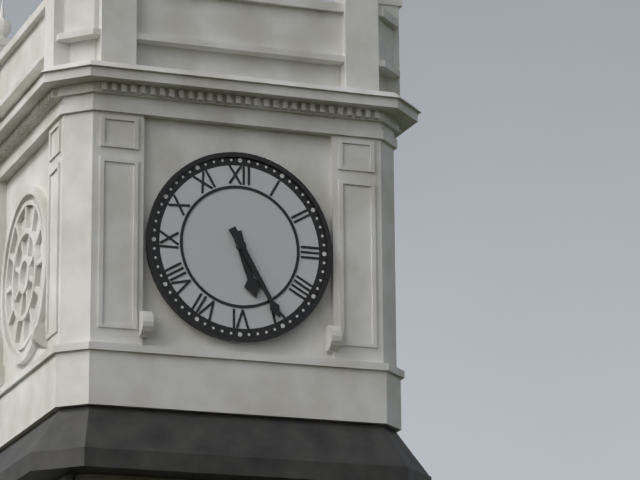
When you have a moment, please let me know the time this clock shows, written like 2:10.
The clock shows 5:25
